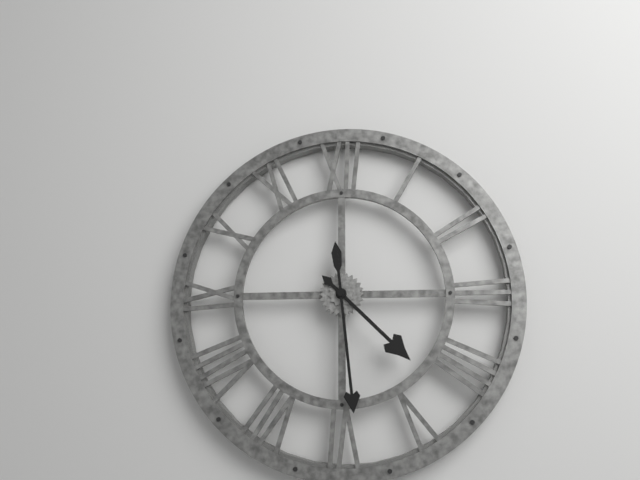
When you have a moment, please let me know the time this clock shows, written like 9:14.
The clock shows 4:29
